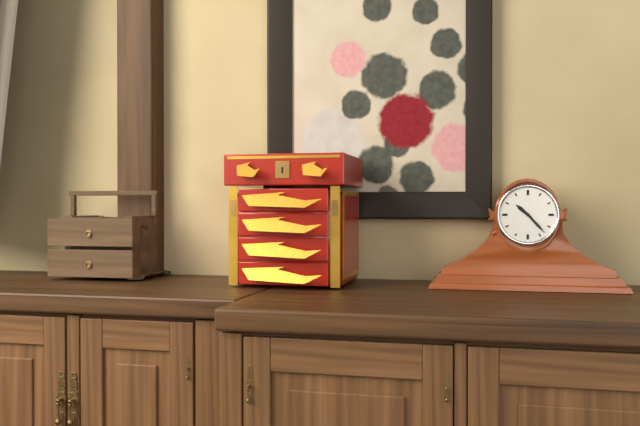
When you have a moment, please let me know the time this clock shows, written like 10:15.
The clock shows 10:23
